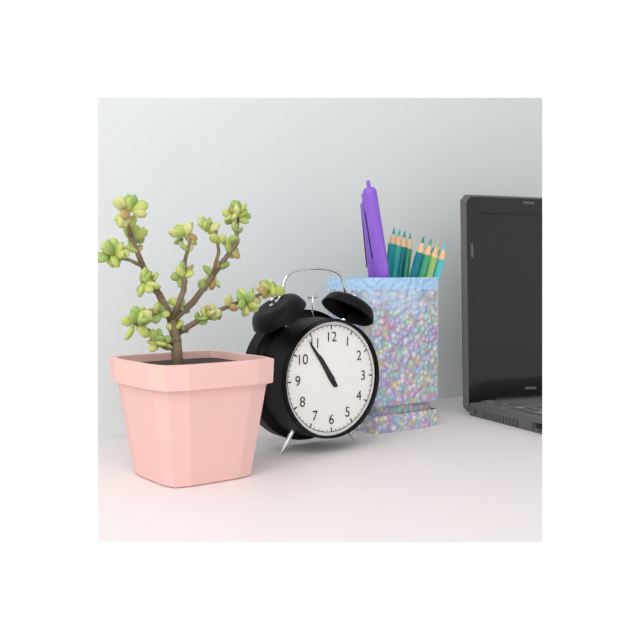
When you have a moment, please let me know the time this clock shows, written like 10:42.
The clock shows 10:54
